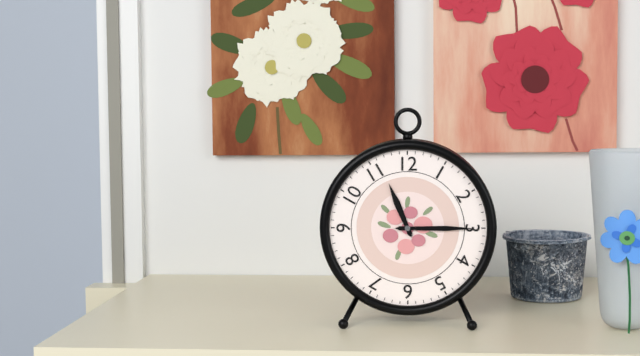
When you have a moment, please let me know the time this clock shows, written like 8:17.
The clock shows 11:15
